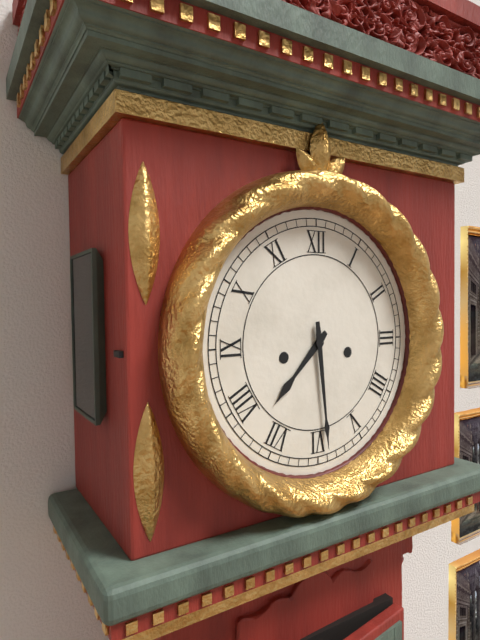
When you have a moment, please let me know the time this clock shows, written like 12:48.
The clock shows 7:29
